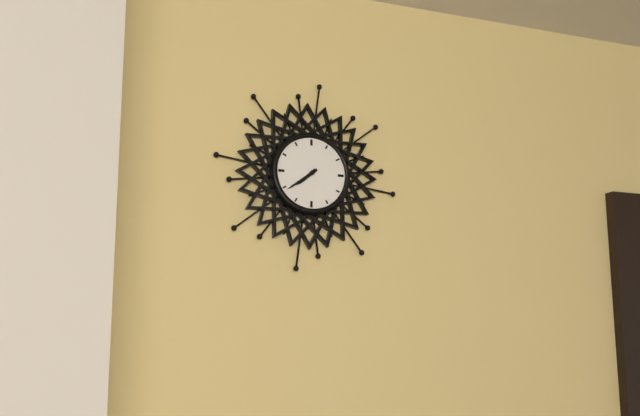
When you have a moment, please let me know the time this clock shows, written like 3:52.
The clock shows 7:39
